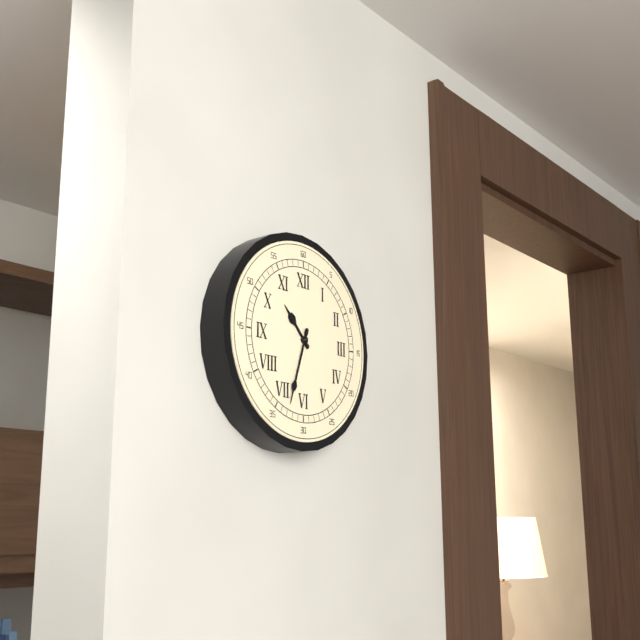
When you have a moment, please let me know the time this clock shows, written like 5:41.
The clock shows 10:33
